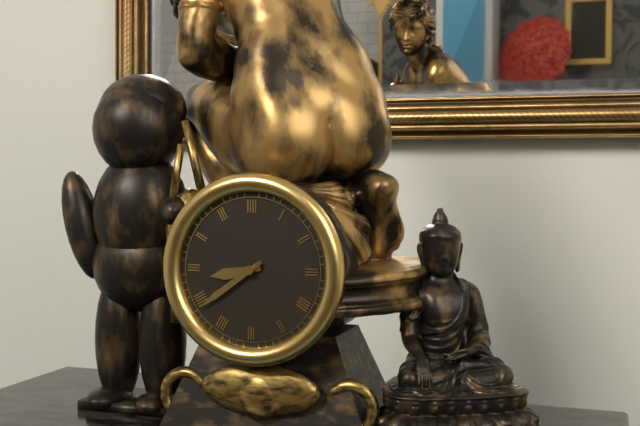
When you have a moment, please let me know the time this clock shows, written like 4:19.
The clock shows 8:39
